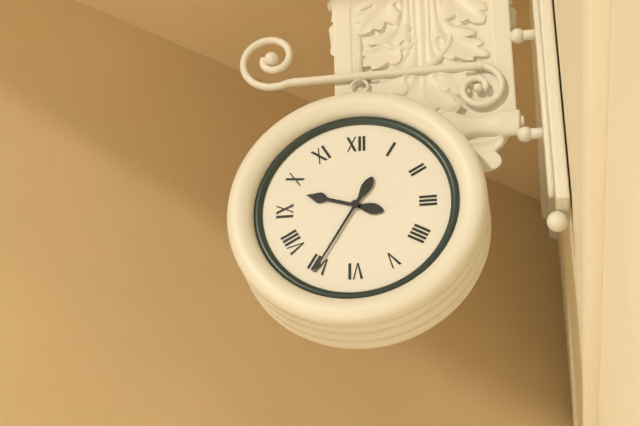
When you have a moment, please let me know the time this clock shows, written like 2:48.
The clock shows 9:35
